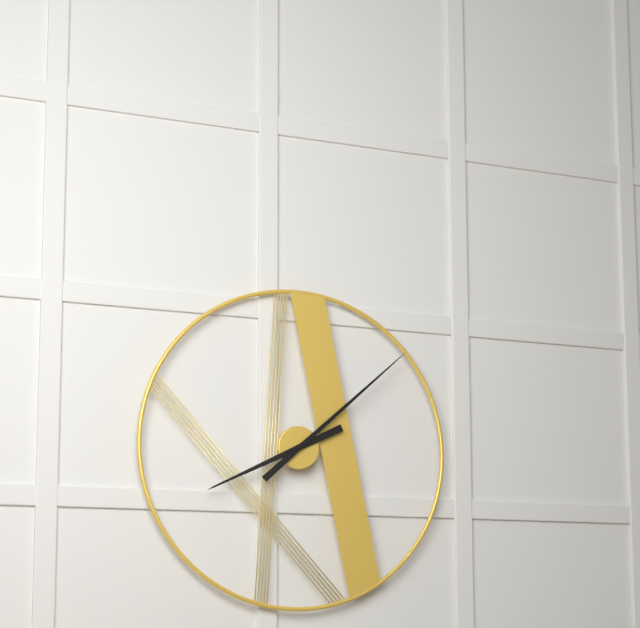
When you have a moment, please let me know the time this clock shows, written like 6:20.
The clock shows 8:08
